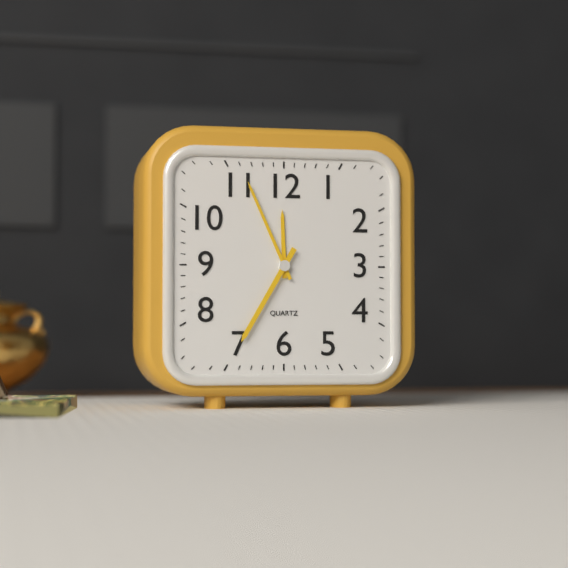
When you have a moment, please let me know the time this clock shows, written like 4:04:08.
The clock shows 11:56:35
